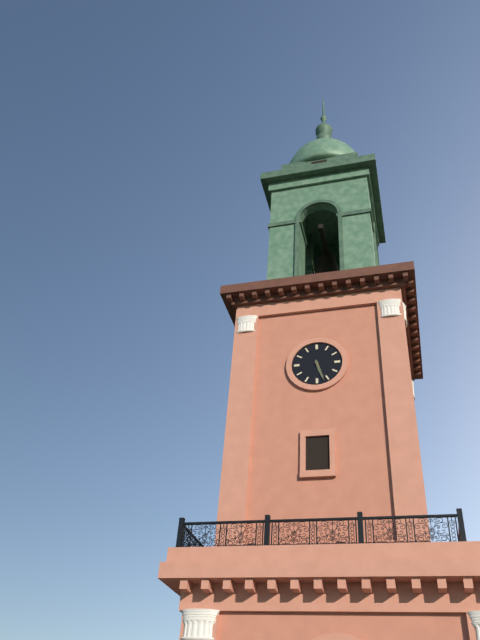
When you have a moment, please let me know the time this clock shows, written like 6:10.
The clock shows 5:27
